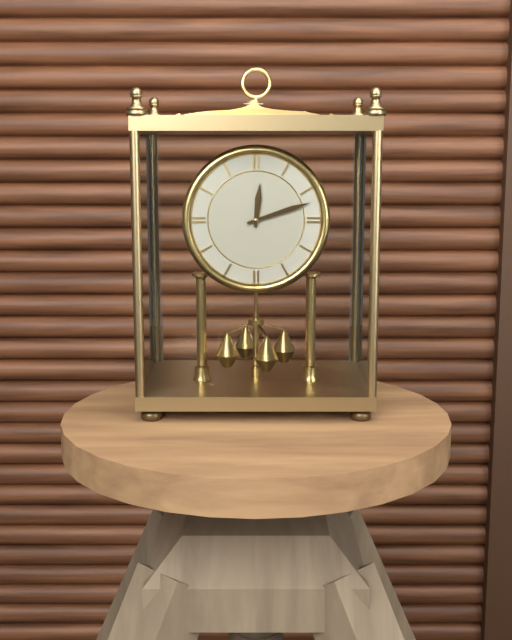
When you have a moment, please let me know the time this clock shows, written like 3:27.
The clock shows 12:12
